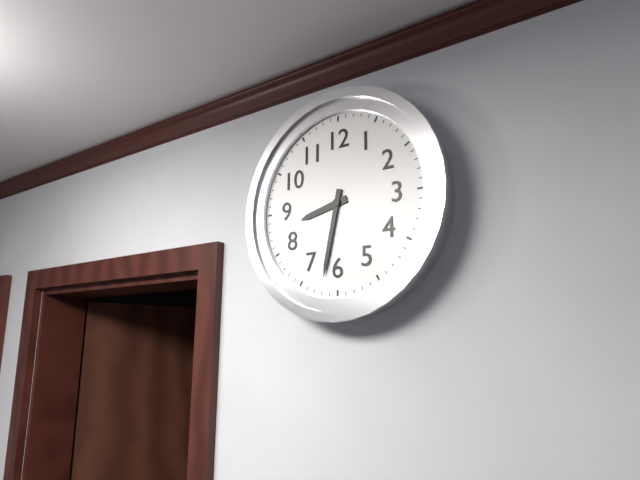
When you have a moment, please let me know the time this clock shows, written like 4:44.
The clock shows 8:32
